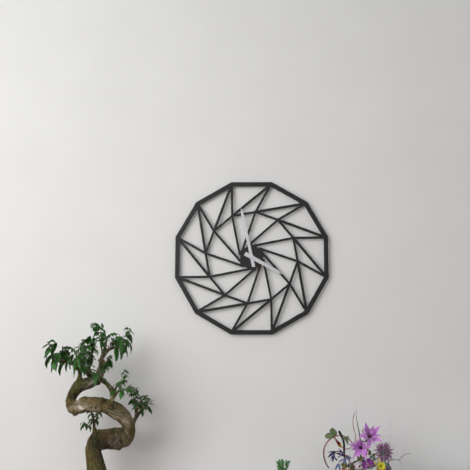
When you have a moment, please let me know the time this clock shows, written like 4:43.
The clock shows 3:58
